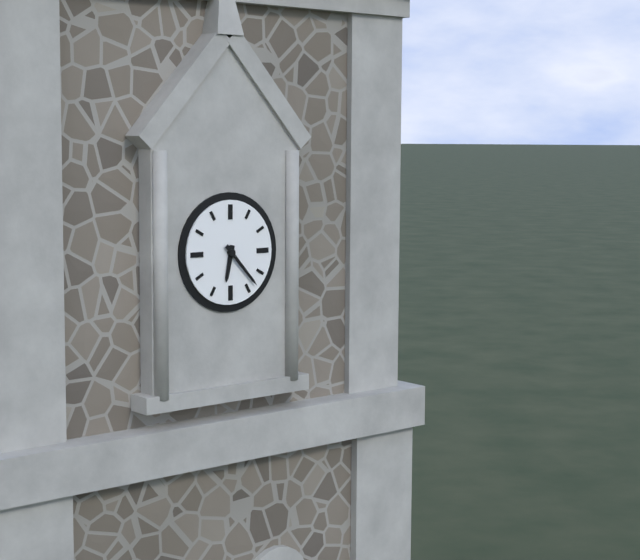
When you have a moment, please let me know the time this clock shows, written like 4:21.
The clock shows 6:23
